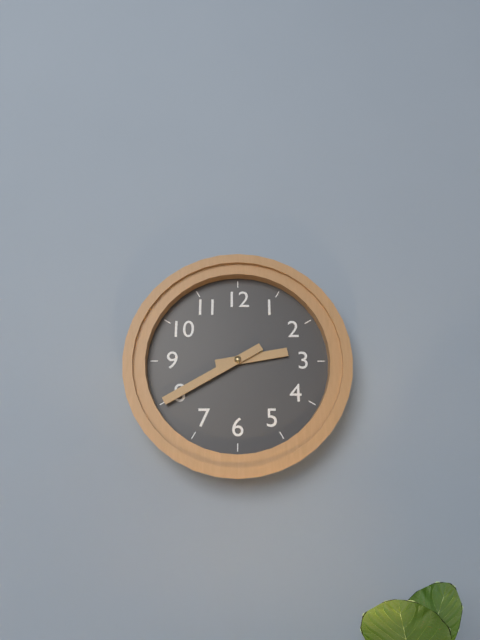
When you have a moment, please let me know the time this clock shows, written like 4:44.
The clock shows 2:40
